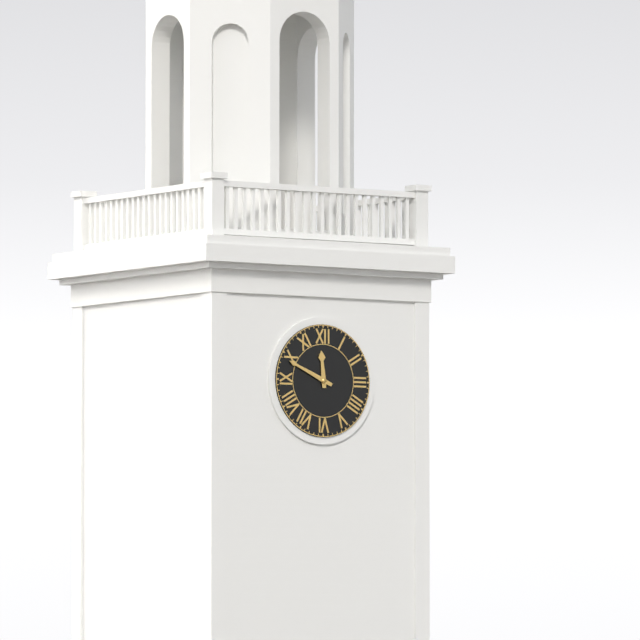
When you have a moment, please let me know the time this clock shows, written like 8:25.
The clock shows 11:49
